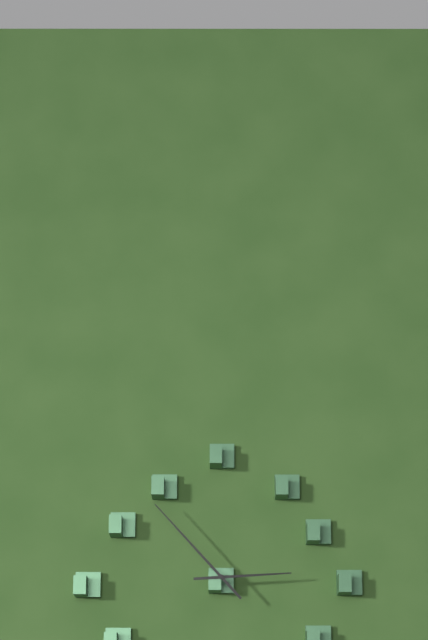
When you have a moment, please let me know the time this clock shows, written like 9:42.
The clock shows 2:53
